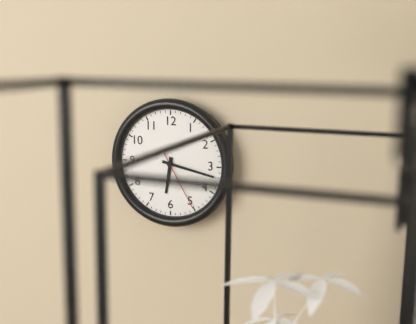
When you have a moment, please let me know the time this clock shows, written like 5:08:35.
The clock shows 6:17:25
